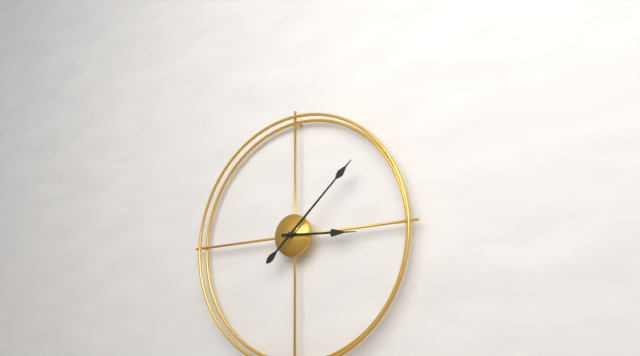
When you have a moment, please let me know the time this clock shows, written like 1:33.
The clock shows 3:08
